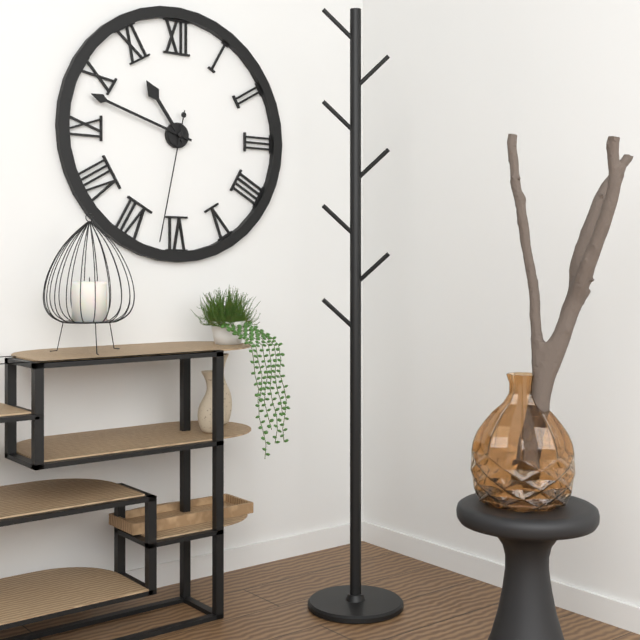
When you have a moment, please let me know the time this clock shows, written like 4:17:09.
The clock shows 10:48:32
